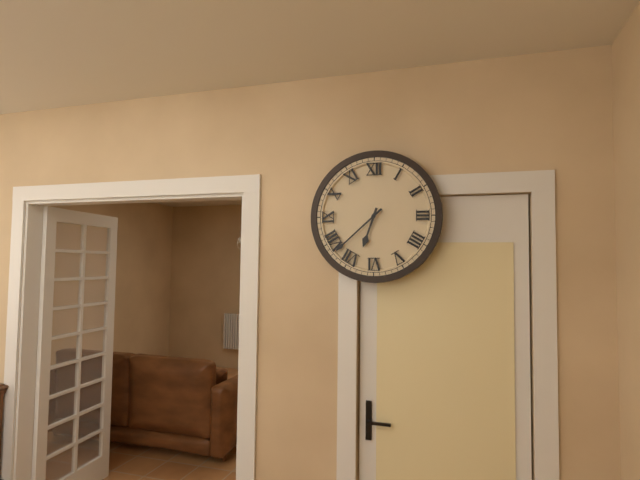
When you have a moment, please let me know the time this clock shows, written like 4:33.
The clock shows 6:38
